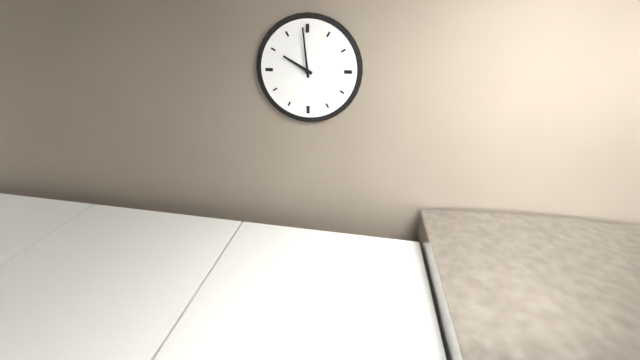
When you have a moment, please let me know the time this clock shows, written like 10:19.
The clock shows 9:59
